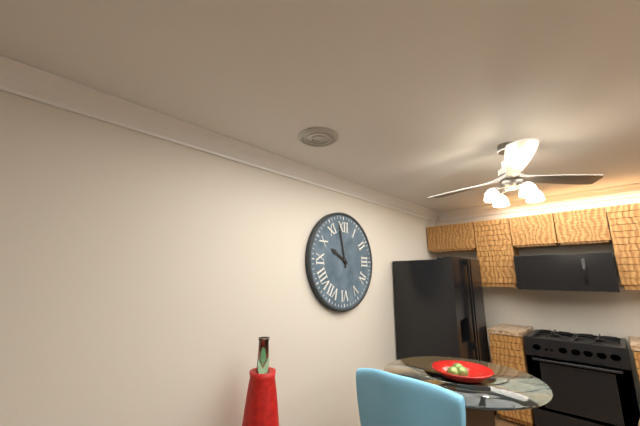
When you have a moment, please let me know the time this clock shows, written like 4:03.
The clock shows 9:58
